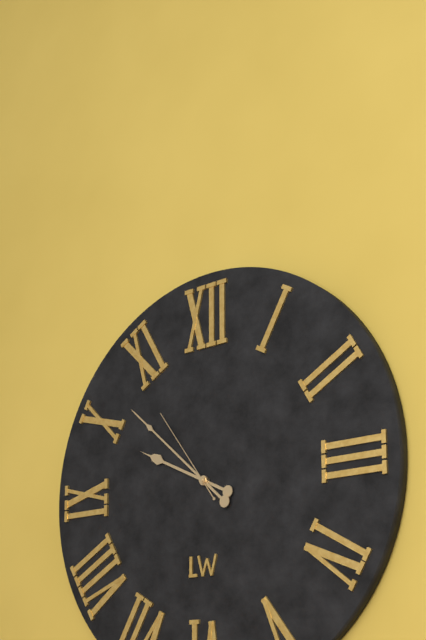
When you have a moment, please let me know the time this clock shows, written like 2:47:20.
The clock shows 9:52:54
